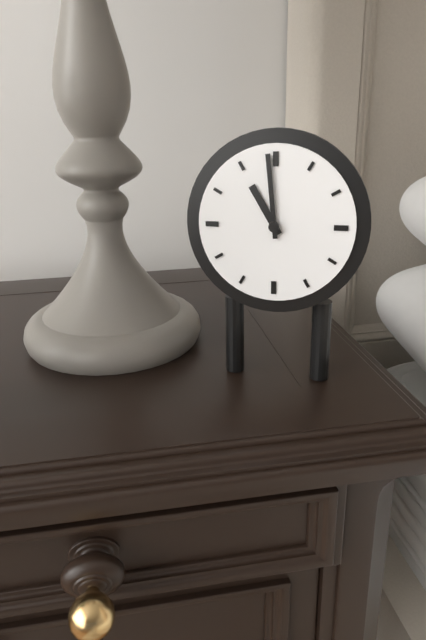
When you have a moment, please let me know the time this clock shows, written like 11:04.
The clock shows 10:59
